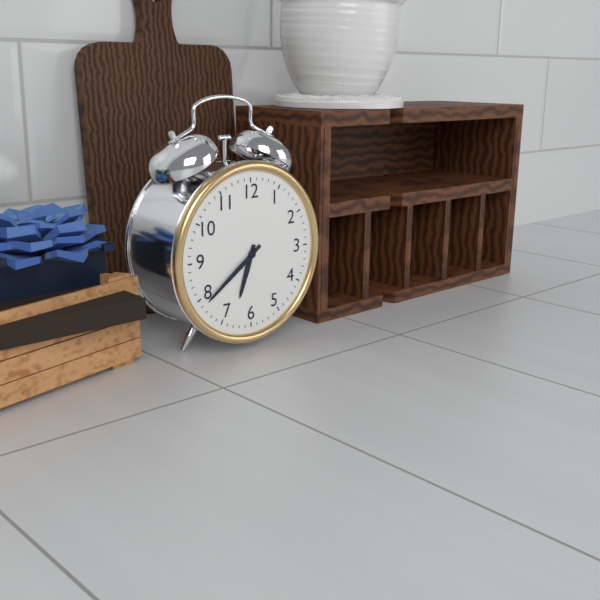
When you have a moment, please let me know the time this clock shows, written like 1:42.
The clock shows 6:39
